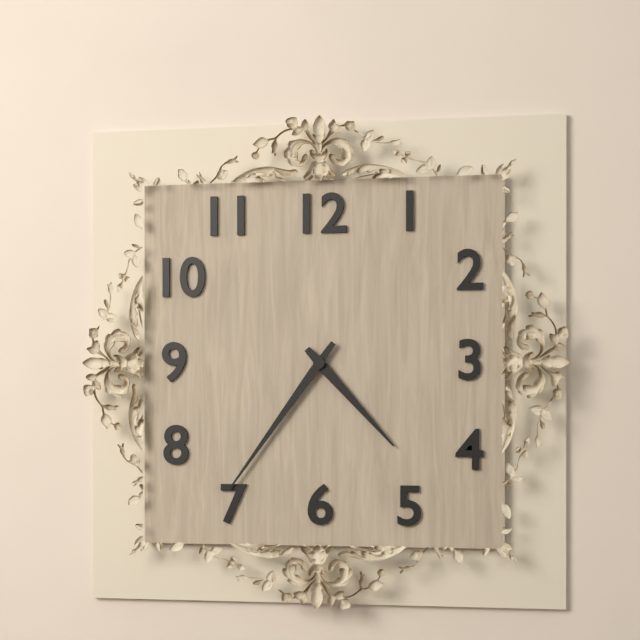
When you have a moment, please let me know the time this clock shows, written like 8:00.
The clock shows 4:36
